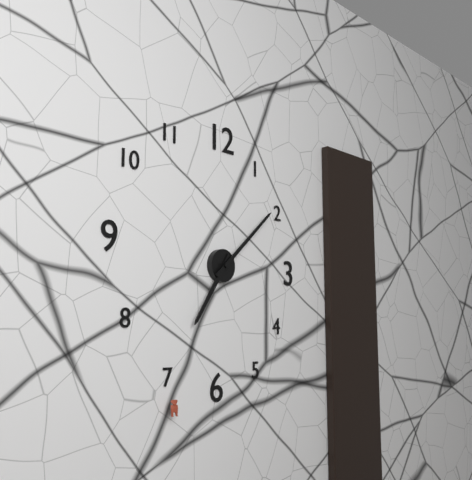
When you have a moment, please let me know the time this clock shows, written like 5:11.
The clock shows 7:08
